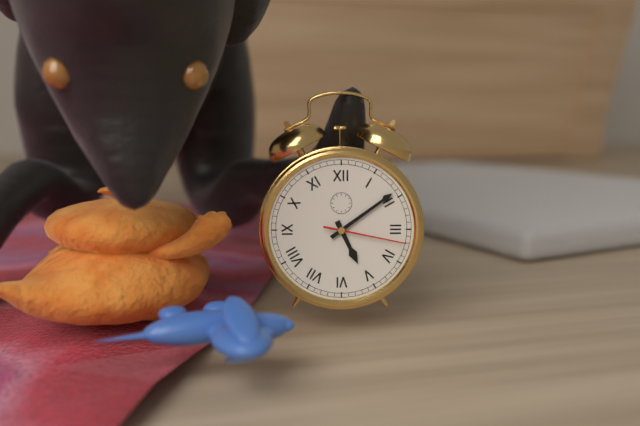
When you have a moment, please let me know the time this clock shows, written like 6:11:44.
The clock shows 5:09:17
